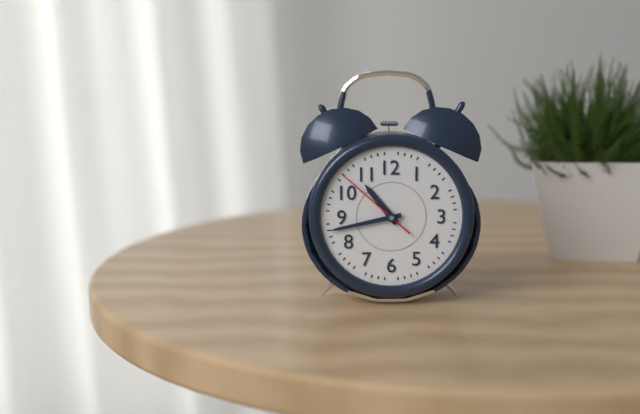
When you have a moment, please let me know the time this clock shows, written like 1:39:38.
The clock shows 10:43:52
